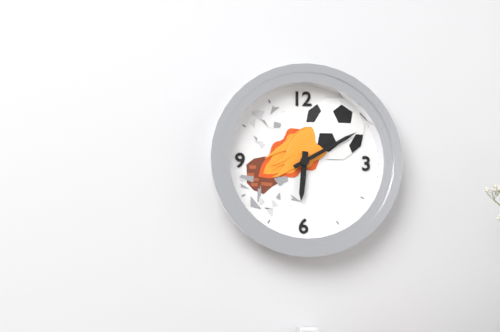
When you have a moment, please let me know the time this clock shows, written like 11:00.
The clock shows 6:10
